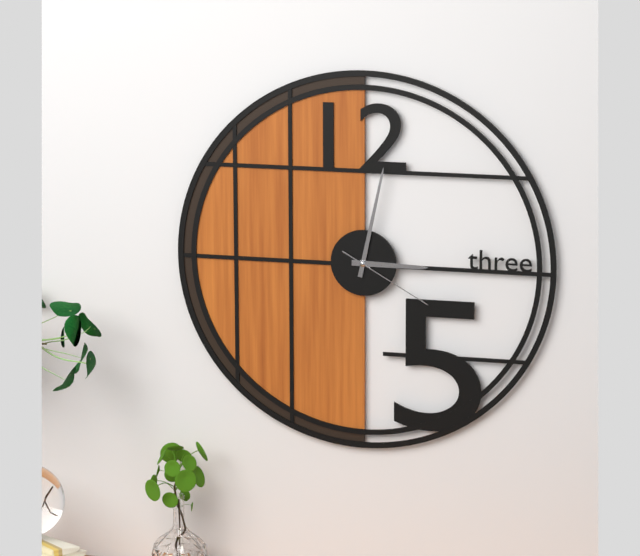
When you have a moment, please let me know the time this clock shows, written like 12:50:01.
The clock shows 3:02:20
